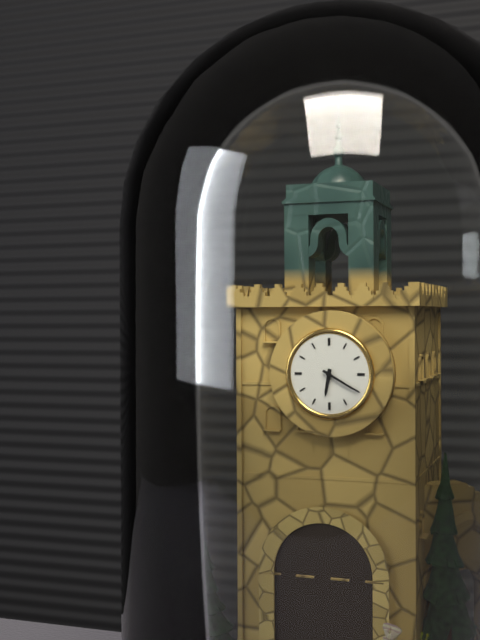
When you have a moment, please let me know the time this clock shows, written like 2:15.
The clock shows 6:20
